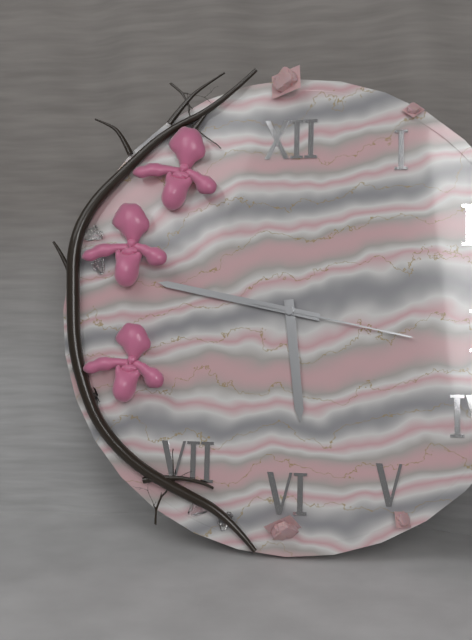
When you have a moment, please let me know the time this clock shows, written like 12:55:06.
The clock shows 5:47:17
